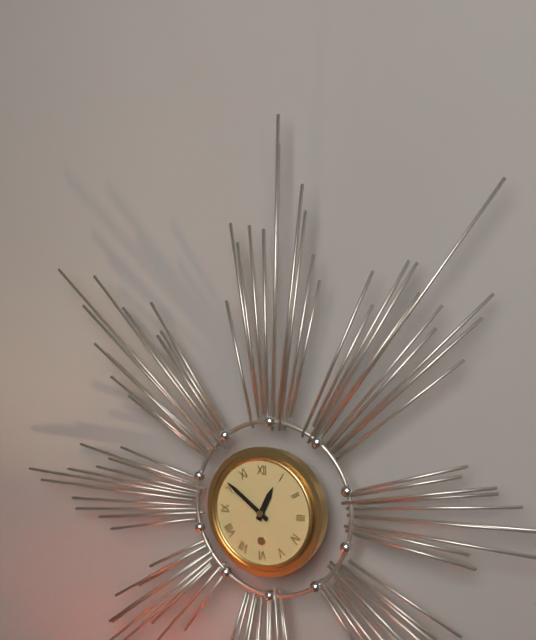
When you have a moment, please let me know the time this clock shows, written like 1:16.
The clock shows 12:51
